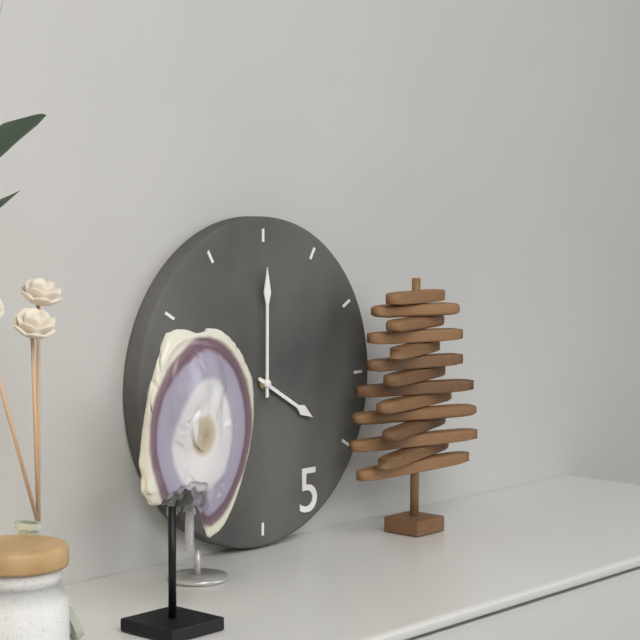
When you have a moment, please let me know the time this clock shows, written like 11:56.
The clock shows 4:00
